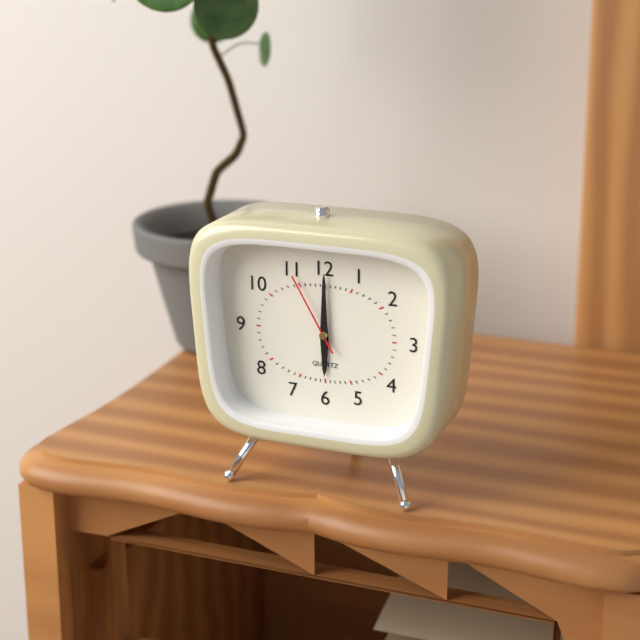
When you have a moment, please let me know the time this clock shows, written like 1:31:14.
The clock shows 6:00:55
